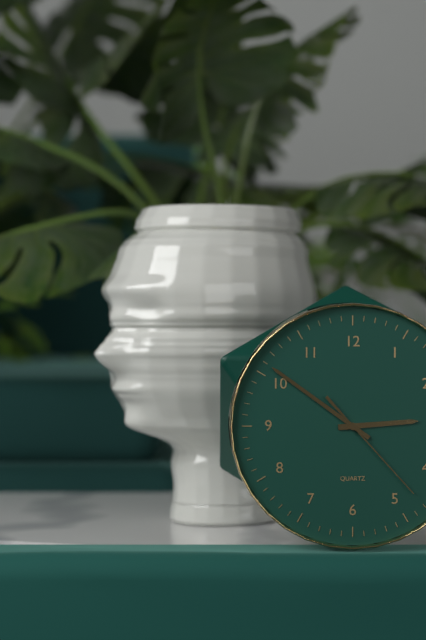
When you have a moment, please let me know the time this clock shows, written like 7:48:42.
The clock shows 2:51:23
